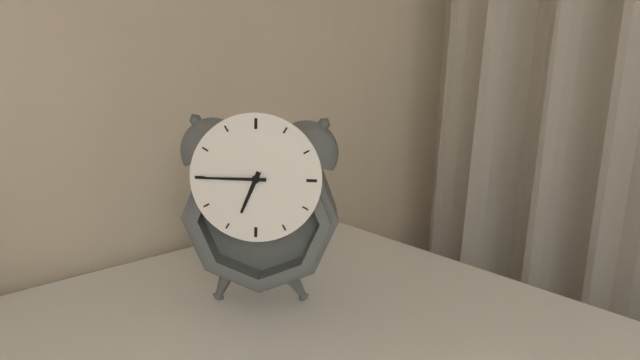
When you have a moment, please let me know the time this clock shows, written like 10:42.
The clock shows 6:45
